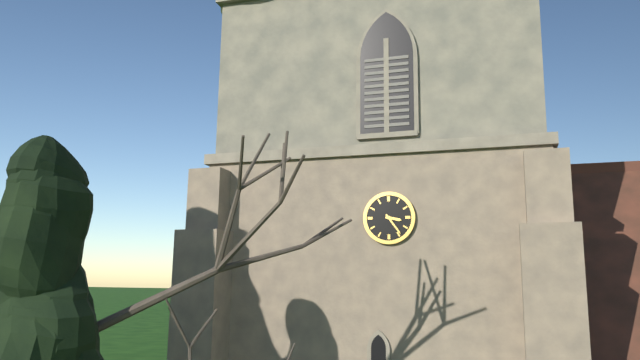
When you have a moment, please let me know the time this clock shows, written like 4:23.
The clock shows 3:24
